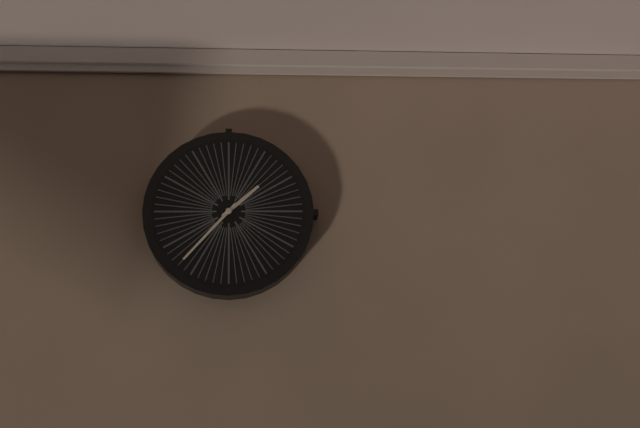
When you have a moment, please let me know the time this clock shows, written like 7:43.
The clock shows 1:37
